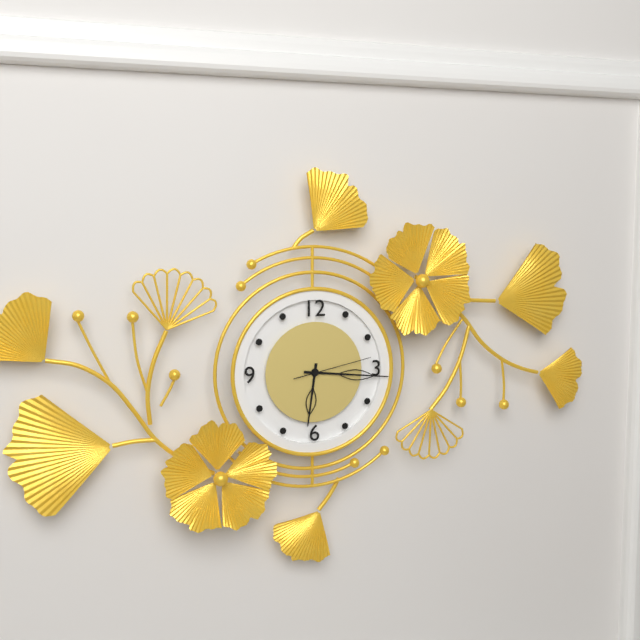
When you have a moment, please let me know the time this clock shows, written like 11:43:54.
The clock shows 6:16:13
